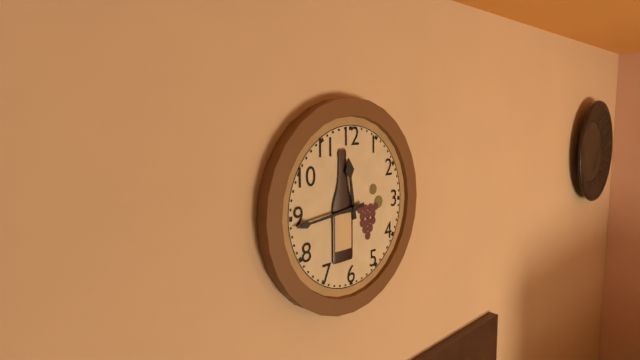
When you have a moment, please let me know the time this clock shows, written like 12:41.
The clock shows 11:44
